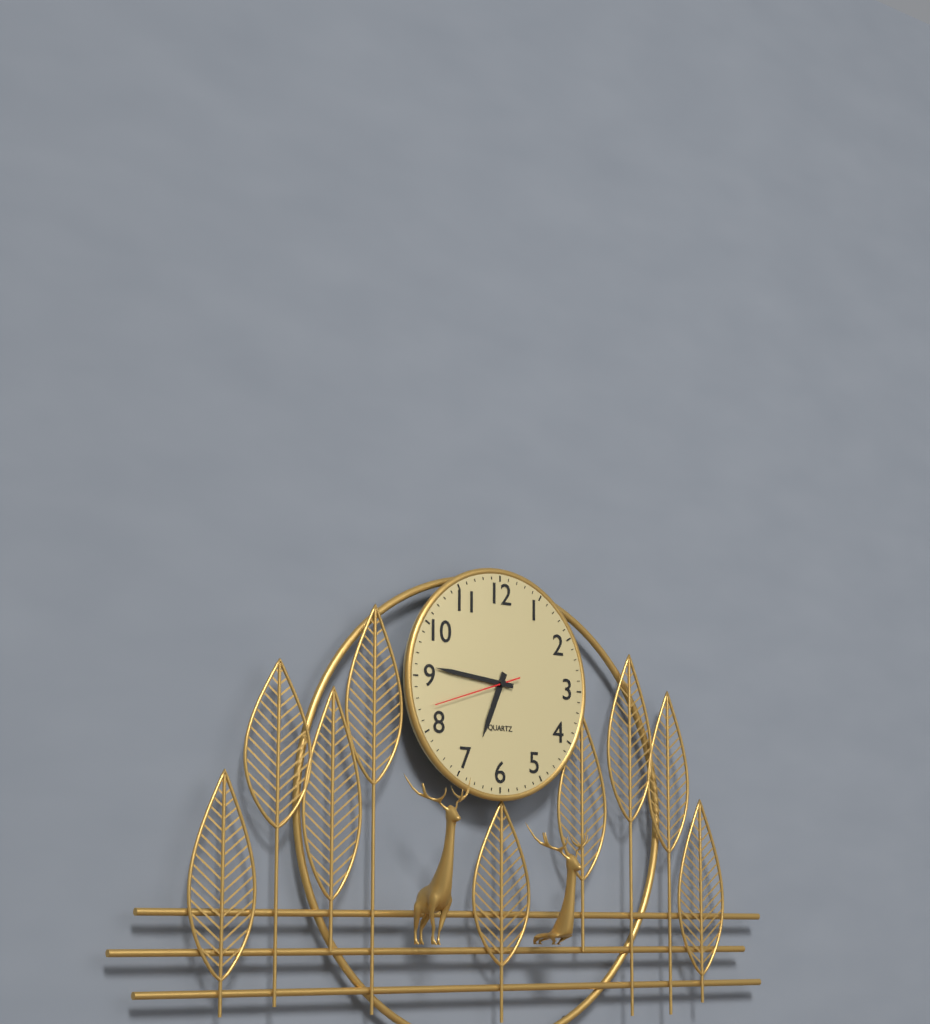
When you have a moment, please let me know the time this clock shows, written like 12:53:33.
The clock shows 6:46:42
